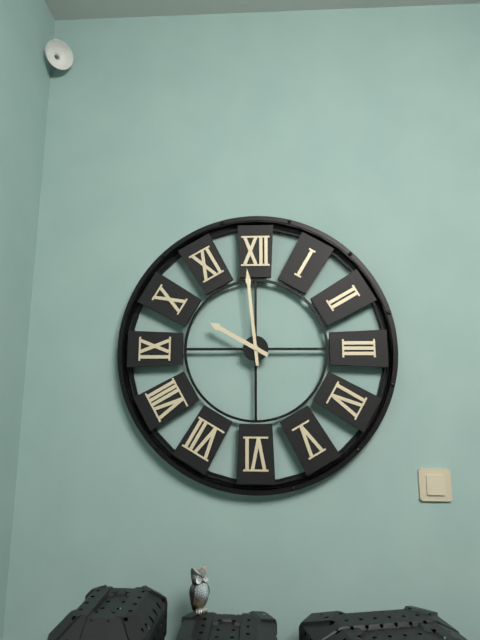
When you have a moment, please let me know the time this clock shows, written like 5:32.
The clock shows 9:59
